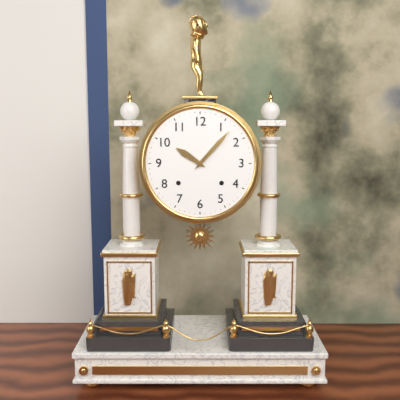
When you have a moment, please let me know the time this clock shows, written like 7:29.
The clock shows 10:07
